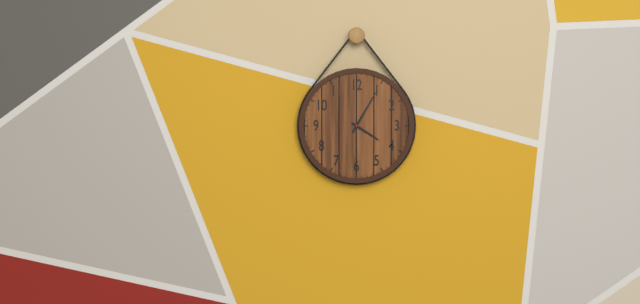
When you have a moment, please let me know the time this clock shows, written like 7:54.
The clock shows 4:05
